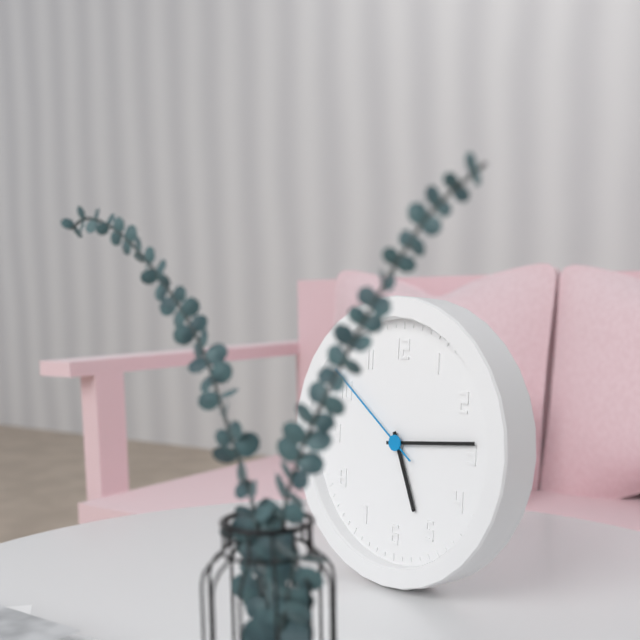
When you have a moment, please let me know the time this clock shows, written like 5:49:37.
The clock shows 5:14:51
